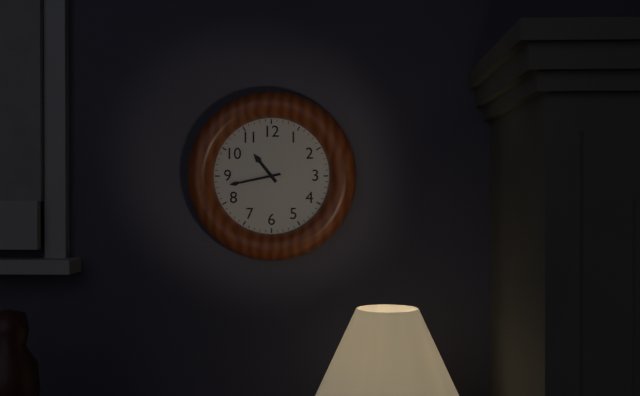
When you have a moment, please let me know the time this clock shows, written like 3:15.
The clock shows 10:43
